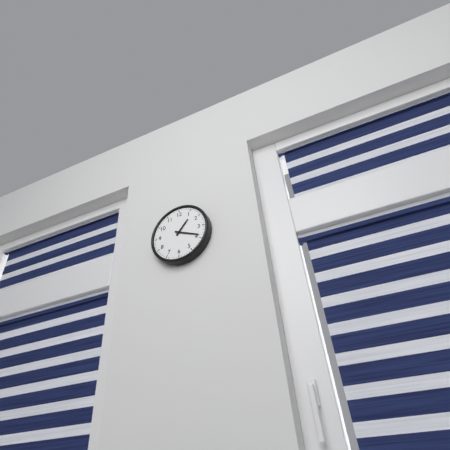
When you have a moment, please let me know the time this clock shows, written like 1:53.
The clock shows 1:19
